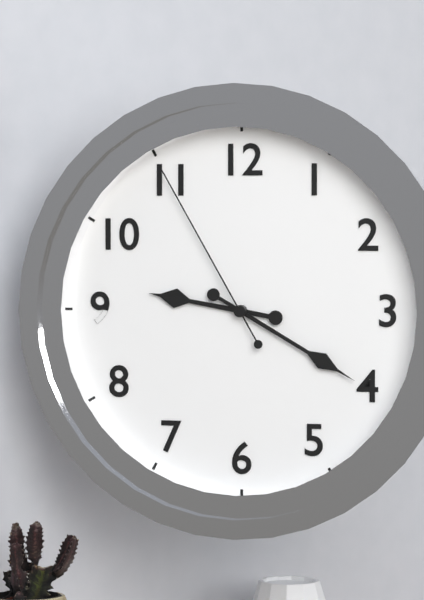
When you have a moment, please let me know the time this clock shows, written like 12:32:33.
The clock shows 9:20:55
